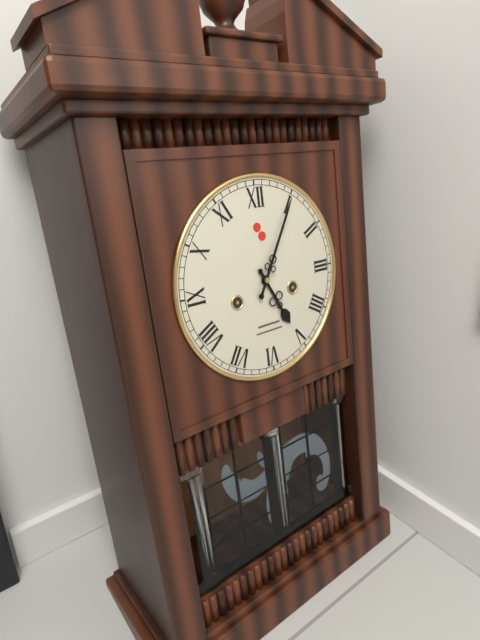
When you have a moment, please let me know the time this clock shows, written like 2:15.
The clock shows 5:05
